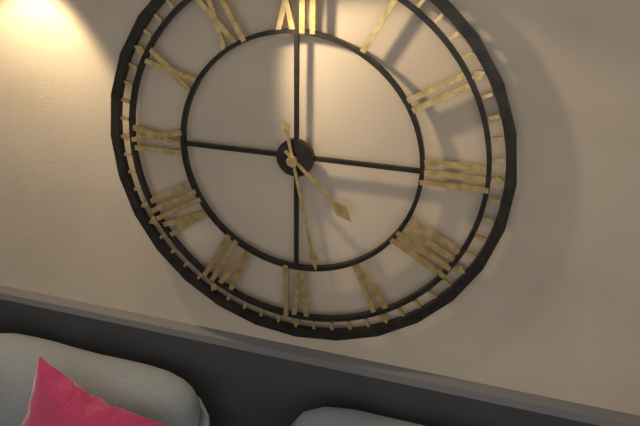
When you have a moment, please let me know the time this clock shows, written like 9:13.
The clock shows 4:28
